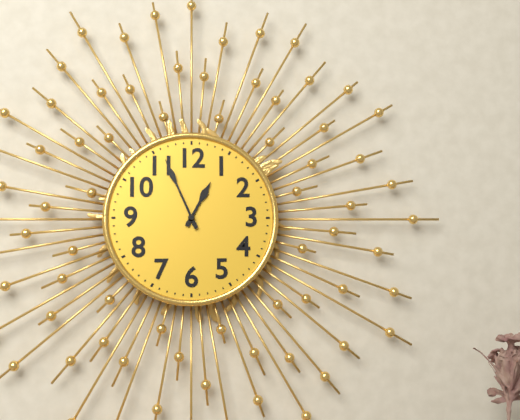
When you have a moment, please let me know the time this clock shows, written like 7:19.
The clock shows 12:56
